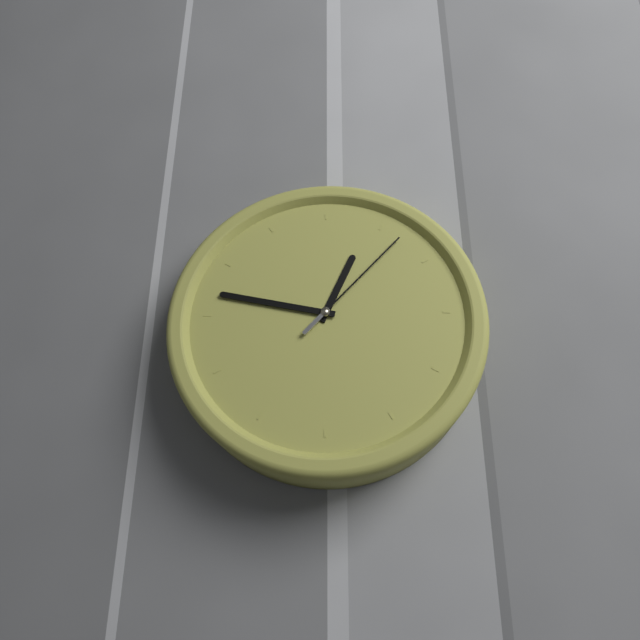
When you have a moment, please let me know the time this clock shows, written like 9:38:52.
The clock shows 12:47:07
